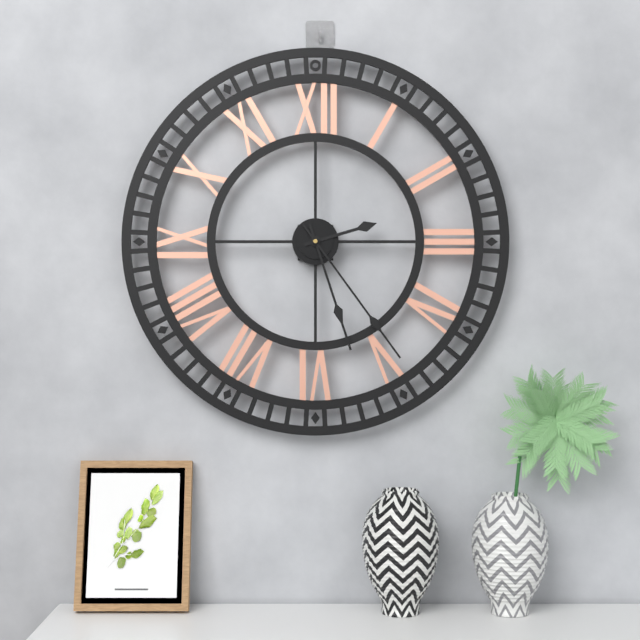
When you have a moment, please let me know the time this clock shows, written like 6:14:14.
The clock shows 2:27:24
